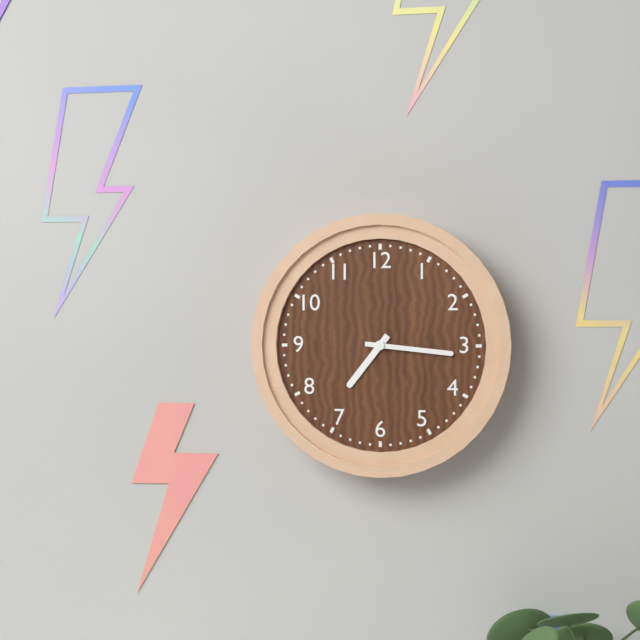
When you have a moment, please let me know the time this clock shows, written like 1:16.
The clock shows 7:16
